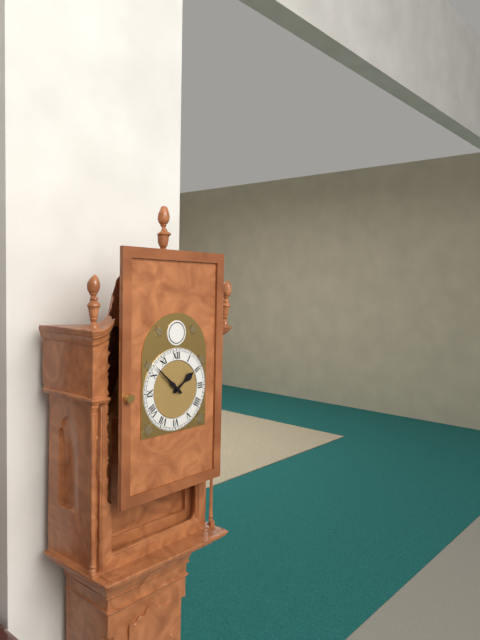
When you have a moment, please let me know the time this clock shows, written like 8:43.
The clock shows 1:52
